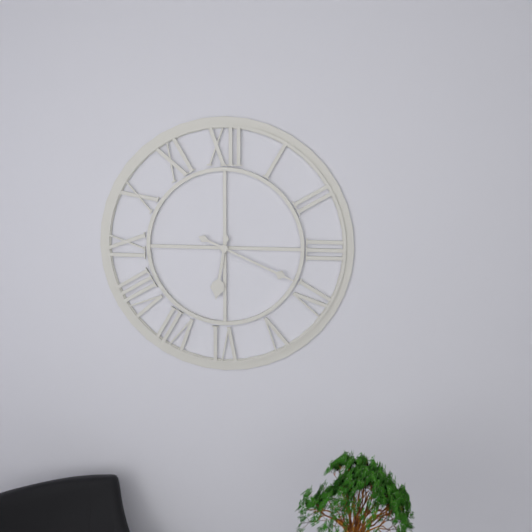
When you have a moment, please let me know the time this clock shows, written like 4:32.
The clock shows 6:19
